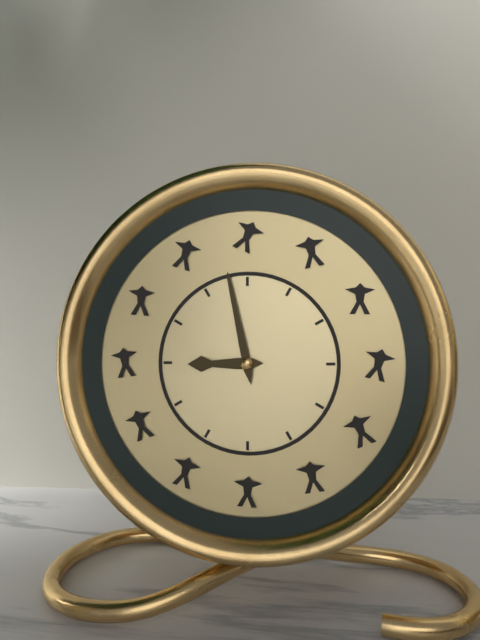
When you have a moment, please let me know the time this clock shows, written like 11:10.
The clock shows 8:58
